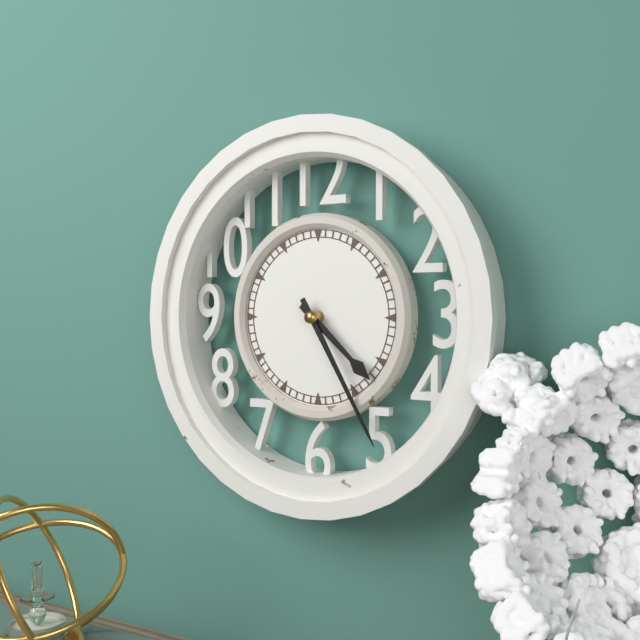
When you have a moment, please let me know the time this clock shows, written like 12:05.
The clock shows 4:25
